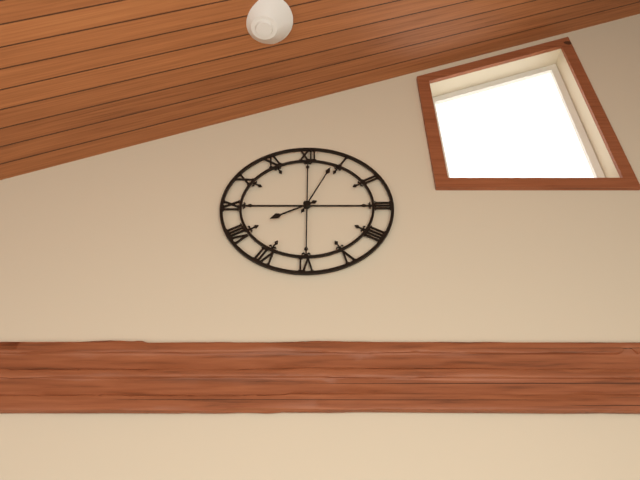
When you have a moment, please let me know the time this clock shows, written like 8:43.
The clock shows 8:04
